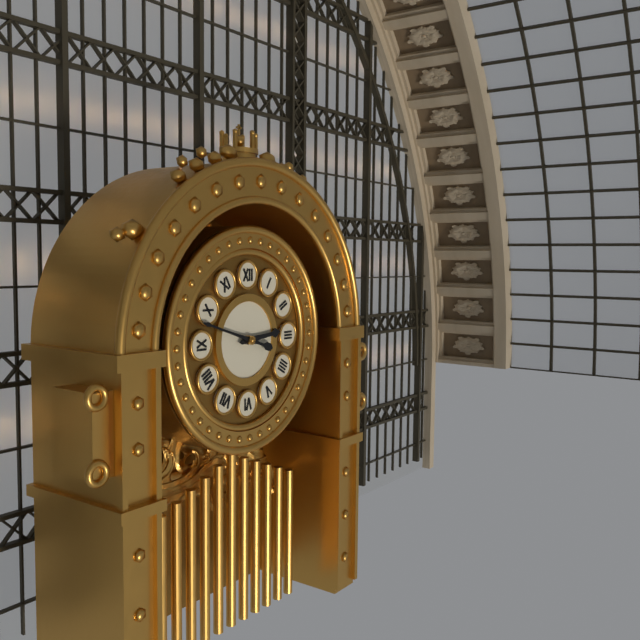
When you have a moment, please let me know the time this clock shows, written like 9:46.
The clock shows 2:48
